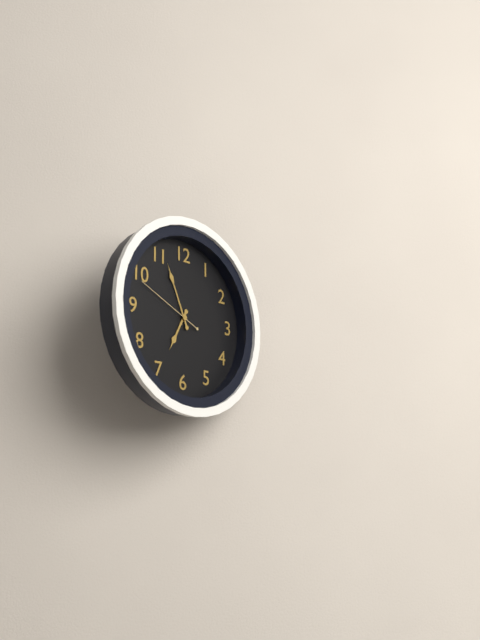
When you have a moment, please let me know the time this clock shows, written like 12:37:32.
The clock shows 6:56:49
